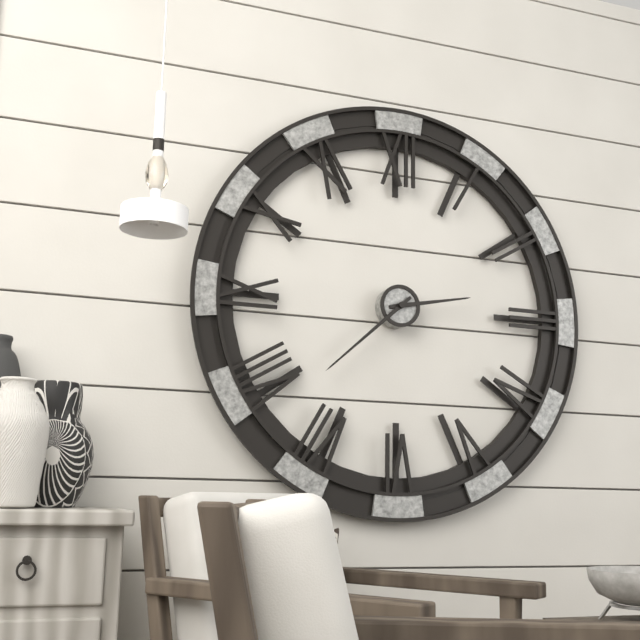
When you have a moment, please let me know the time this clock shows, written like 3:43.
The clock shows 2:38
